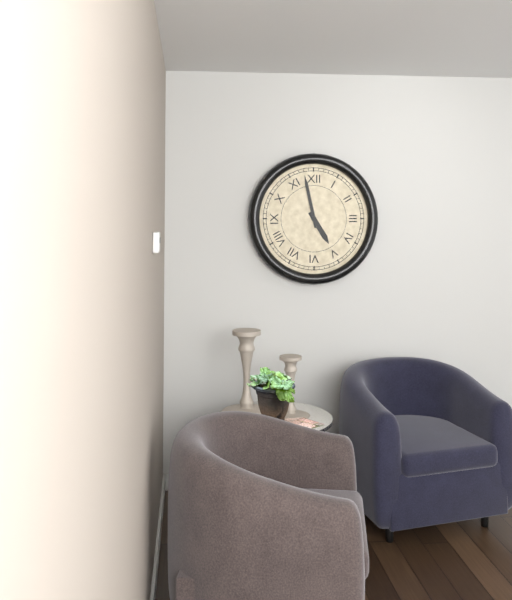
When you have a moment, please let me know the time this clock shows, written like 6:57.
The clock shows 4:58
